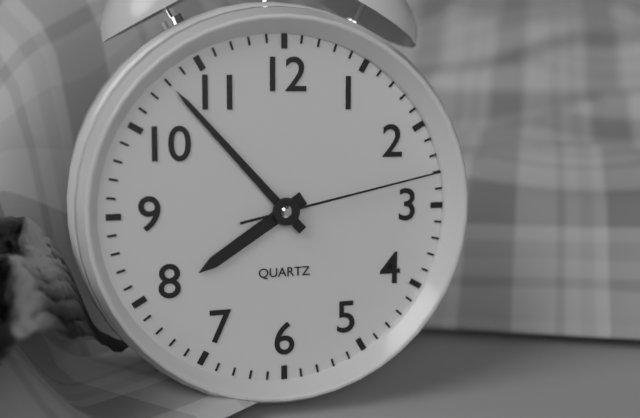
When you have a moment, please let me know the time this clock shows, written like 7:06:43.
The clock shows 7:53:13
